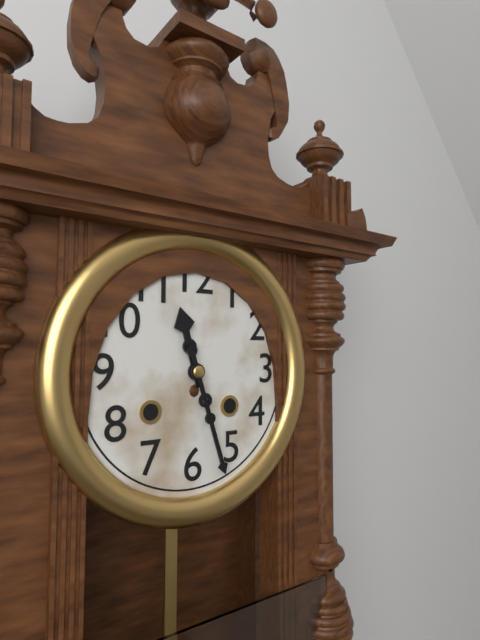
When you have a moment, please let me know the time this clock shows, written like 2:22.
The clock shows 11:27
